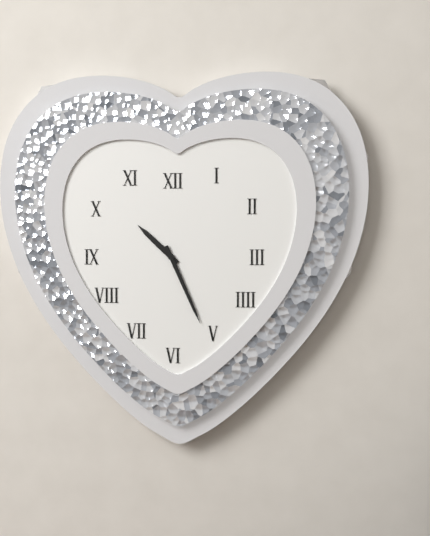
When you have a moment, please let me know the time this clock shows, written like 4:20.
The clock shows 10:26
